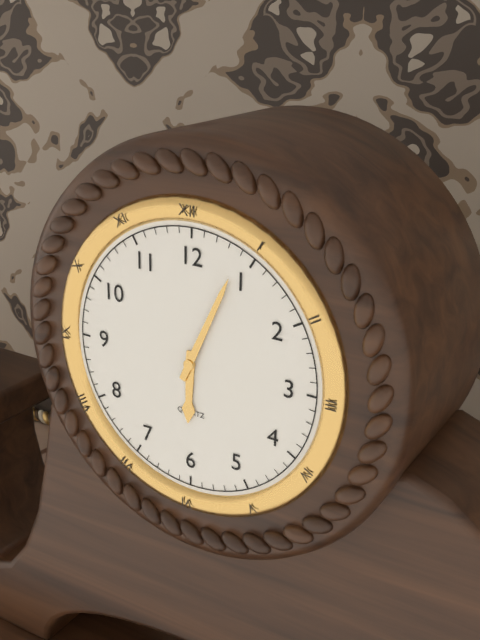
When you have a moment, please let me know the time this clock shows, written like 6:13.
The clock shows 6:04
